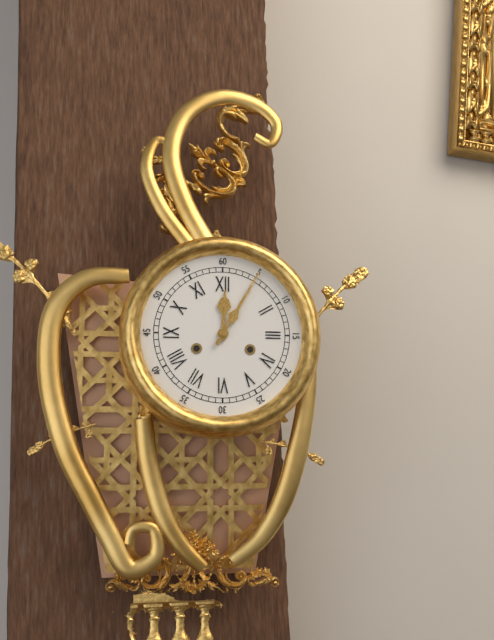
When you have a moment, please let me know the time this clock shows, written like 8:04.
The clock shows 12:05
